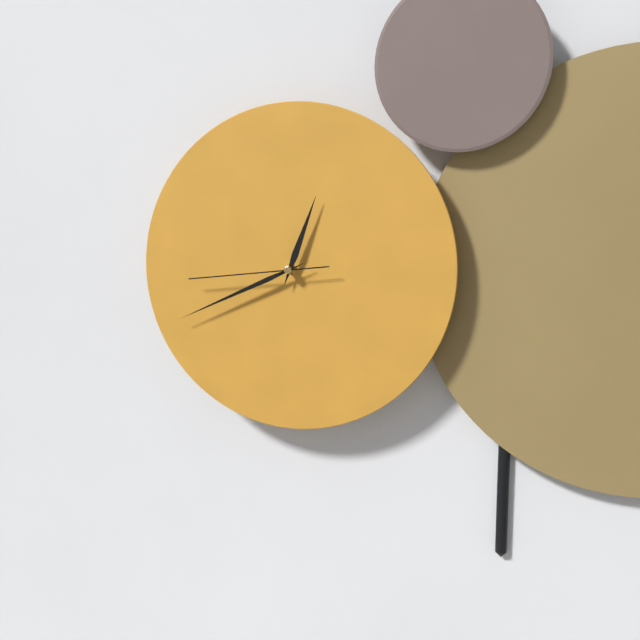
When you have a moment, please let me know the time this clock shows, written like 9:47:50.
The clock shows 12:41:44
